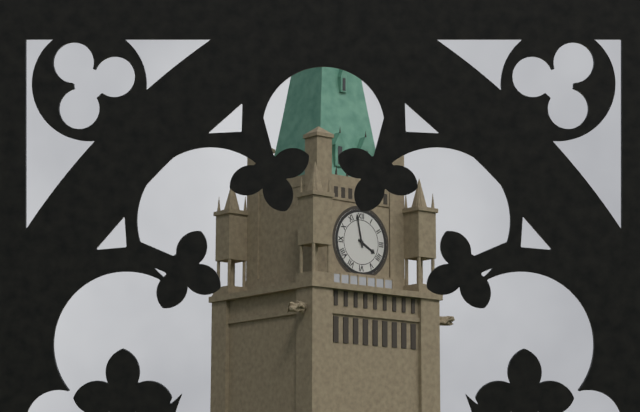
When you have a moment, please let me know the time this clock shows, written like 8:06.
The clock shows 3:58
